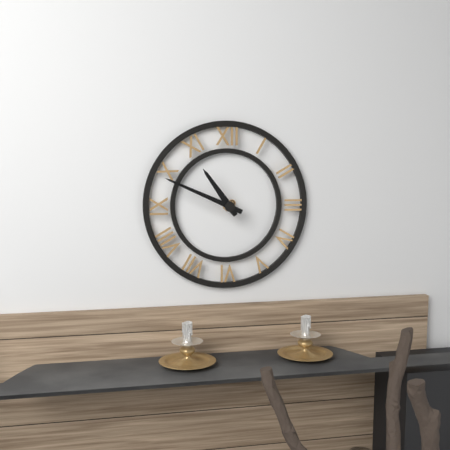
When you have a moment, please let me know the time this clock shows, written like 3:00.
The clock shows 10:49
